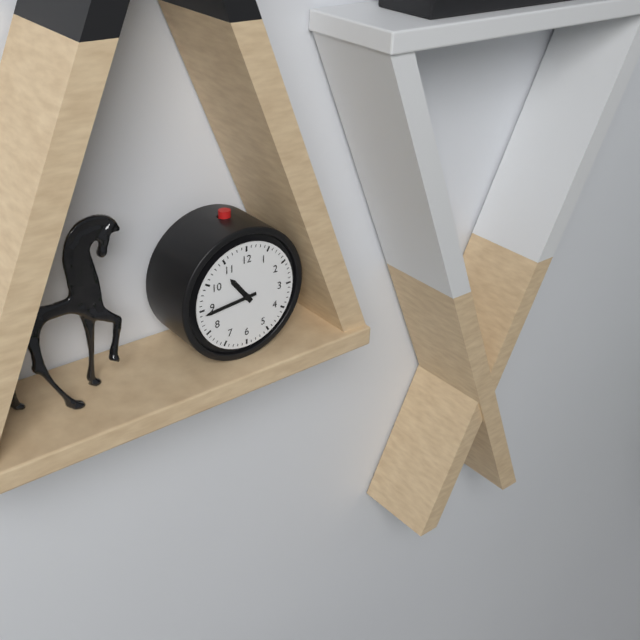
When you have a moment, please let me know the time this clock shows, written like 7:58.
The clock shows 10:44
